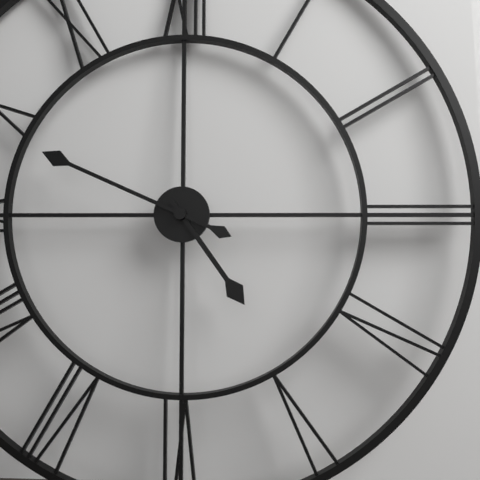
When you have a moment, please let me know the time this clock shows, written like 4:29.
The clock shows 4:49
